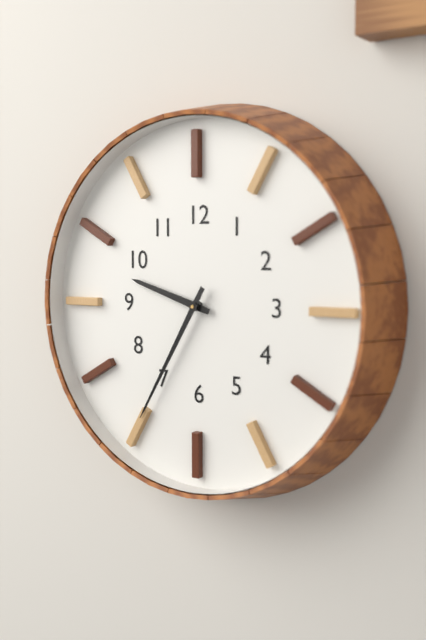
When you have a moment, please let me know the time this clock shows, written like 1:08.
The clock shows 9:35
